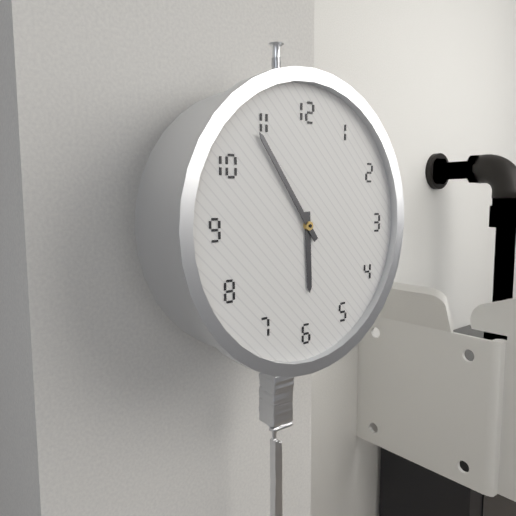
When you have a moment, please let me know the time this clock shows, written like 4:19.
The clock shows 5:54
